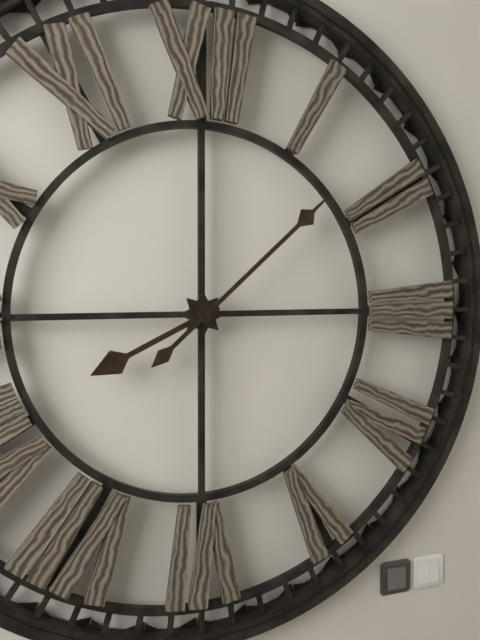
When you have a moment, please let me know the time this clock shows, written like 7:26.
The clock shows 8:08
